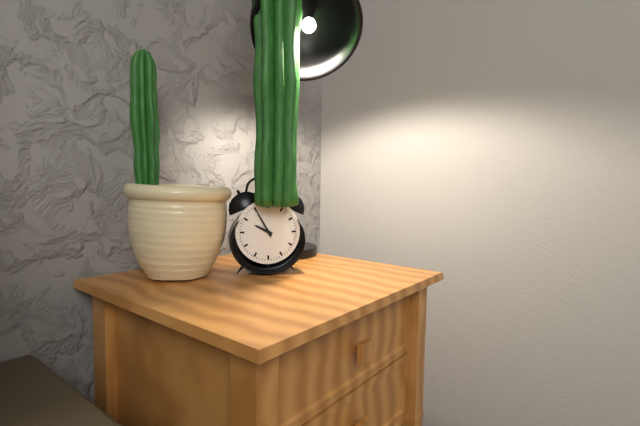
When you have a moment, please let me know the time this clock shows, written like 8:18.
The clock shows 9:55
